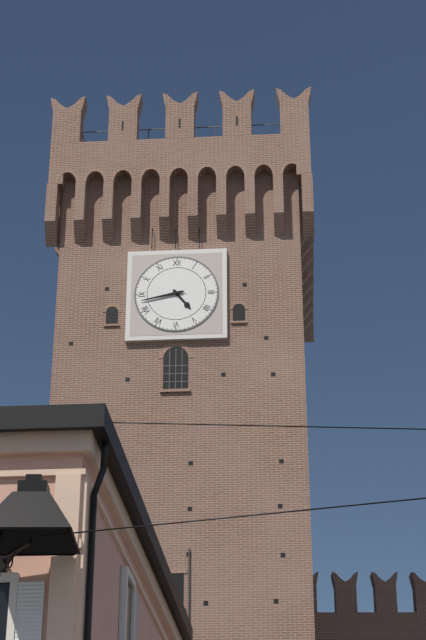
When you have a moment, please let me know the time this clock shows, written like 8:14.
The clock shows 4:43
